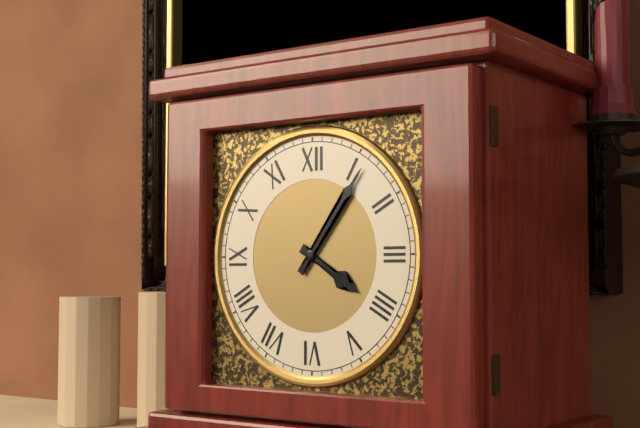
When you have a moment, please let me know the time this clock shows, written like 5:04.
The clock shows 4:06
